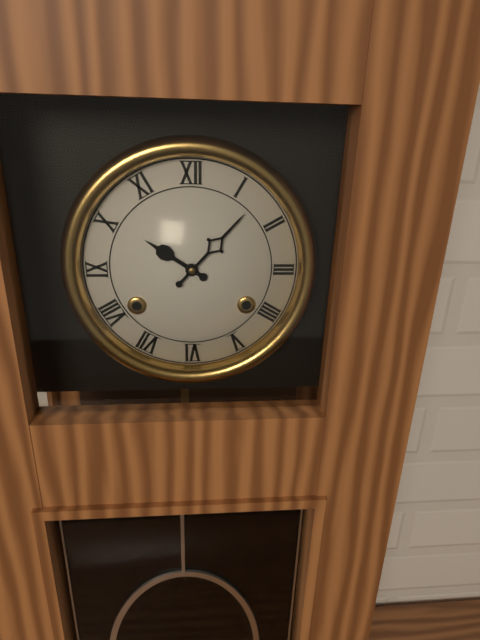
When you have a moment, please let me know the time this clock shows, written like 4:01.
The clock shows 10:07
